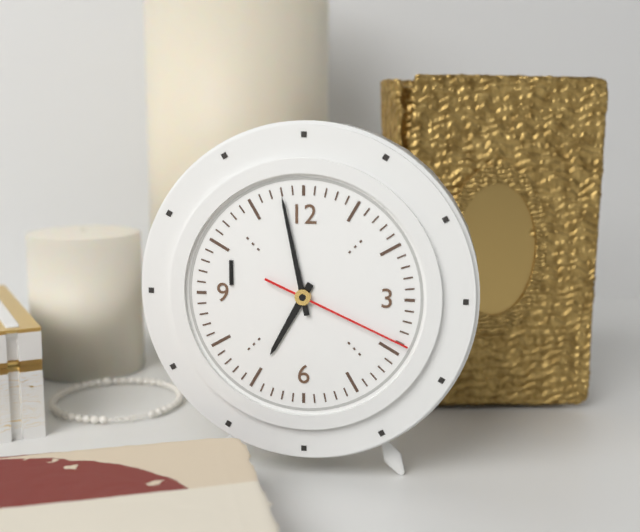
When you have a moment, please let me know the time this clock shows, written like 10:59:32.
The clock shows 6:58:19
